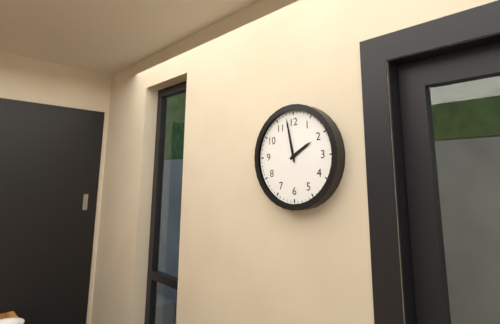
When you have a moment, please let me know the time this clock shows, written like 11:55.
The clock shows 1:58
